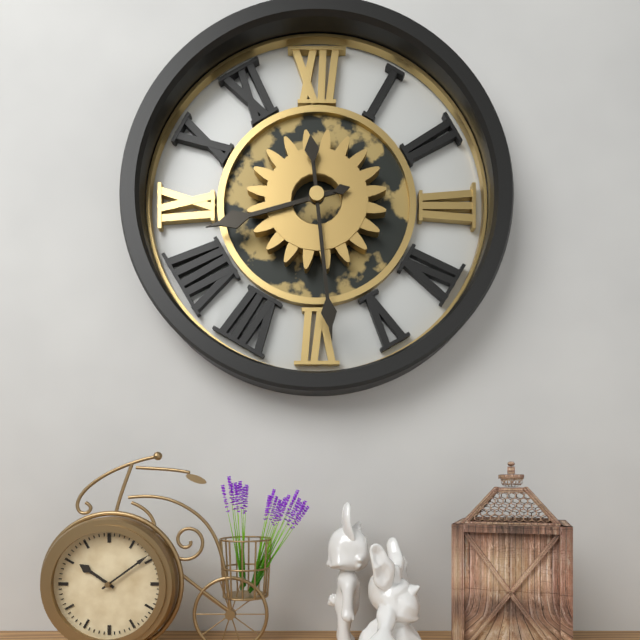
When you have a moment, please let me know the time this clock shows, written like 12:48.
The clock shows 8:29
